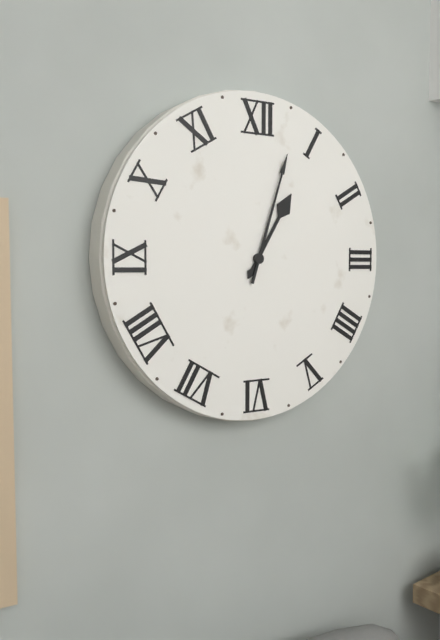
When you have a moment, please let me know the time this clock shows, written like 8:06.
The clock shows 1:03
